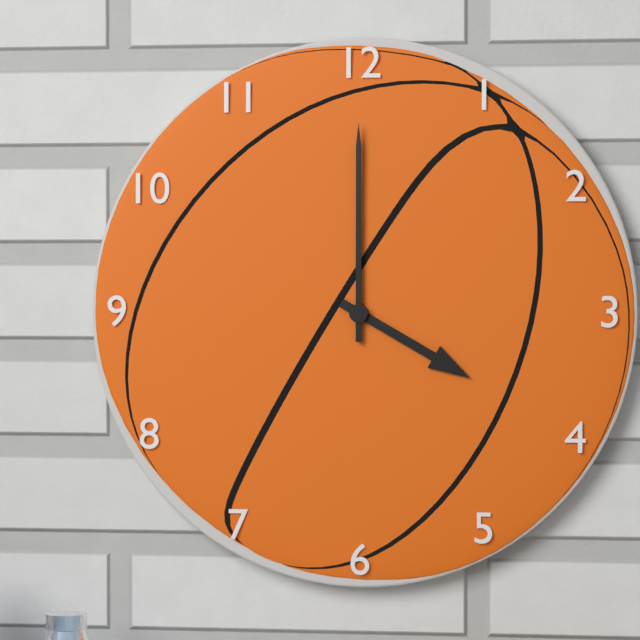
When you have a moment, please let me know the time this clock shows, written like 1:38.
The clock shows 4:00
